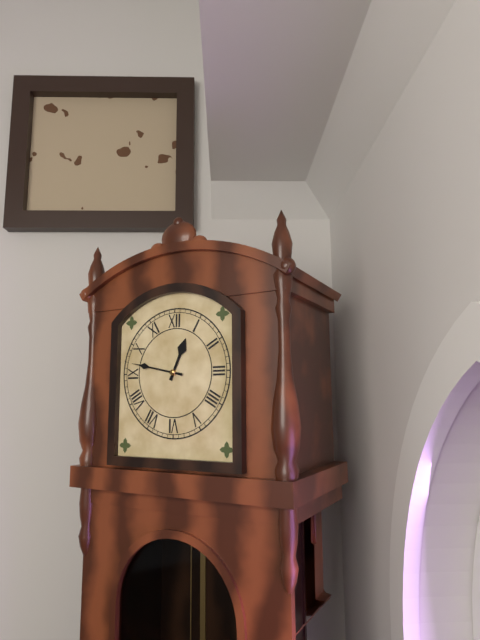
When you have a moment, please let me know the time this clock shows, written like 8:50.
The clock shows 12:47
